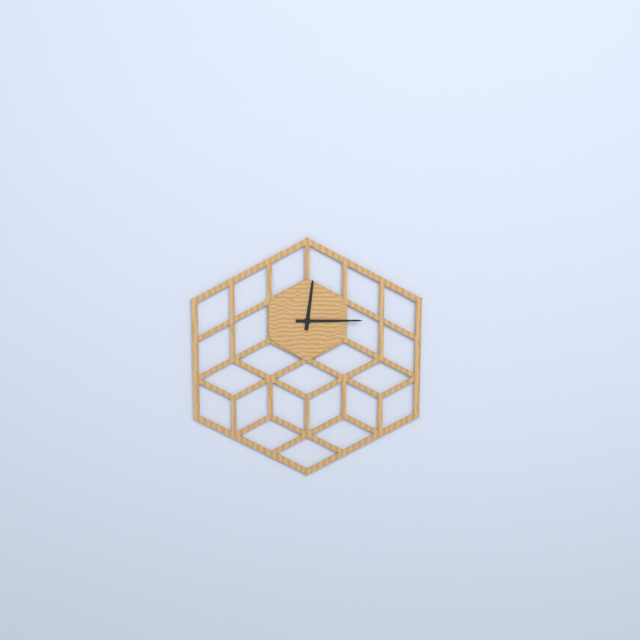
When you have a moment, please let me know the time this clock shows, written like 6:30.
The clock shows 12:15
